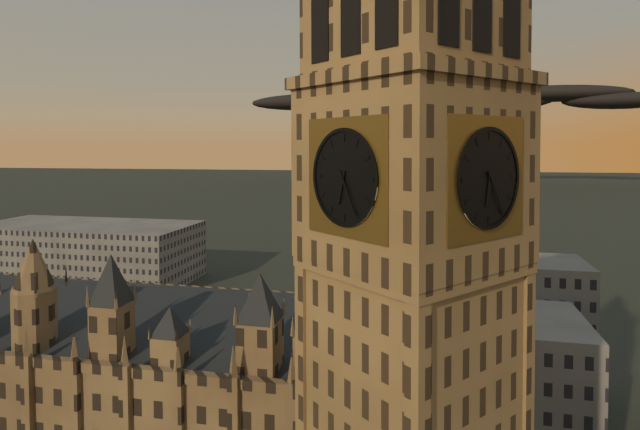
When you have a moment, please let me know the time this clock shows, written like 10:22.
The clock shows 6:25
